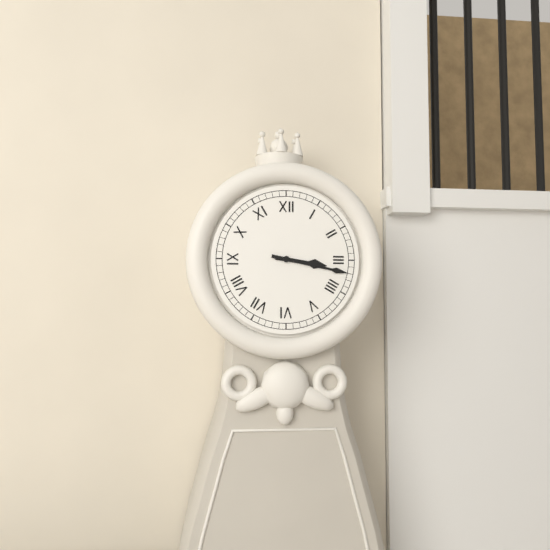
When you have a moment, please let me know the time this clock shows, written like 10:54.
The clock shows 3:17
